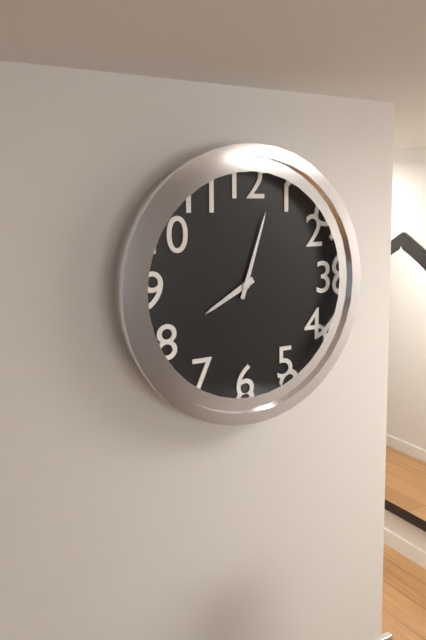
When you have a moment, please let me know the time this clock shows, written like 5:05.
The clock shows 8:03
